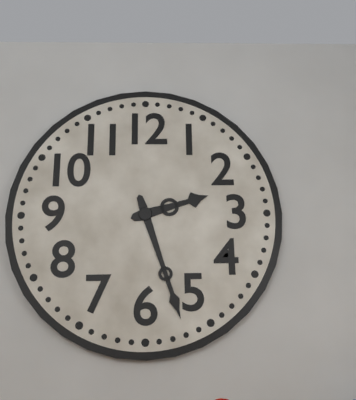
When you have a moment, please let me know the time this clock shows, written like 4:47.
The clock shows 2:27
